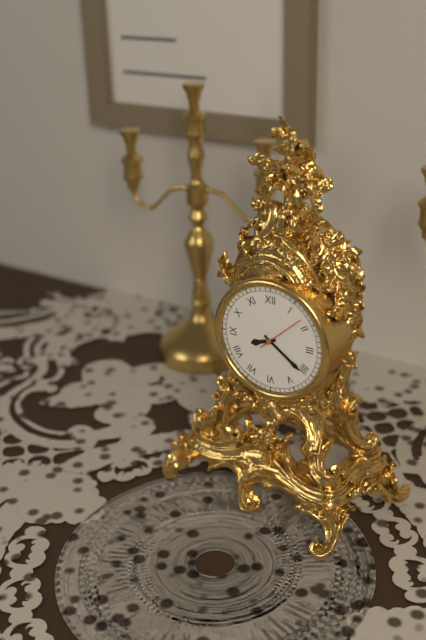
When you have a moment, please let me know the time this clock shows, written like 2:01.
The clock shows 8:21
